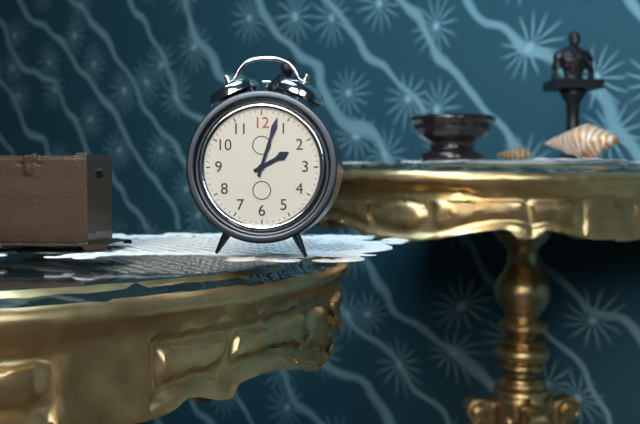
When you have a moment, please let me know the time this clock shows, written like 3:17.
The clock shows 2:03
